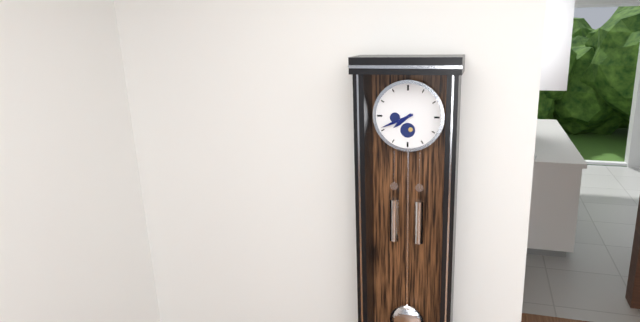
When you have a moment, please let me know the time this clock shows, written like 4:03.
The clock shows 7:41
